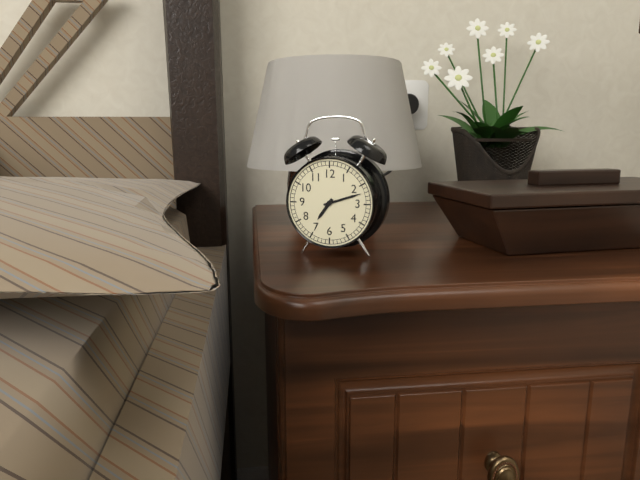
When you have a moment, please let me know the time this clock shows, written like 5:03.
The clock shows 7:12
